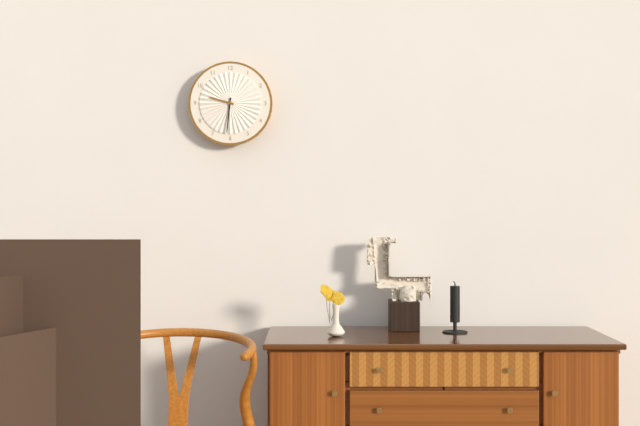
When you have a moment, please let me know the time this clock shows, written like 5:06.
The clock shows 9:31
